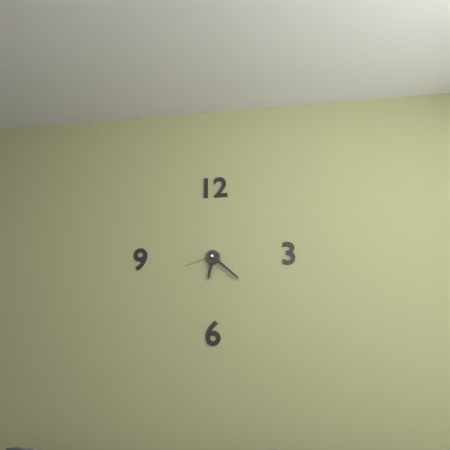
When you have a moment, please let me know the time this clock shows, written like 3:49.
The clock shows 6:22
